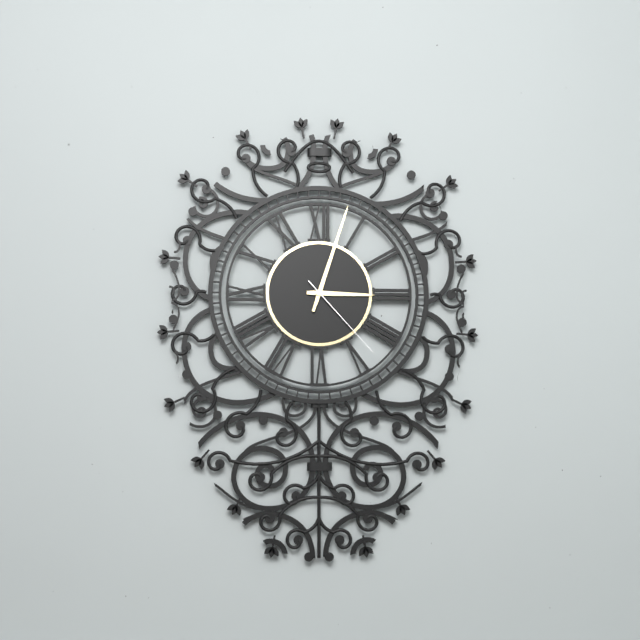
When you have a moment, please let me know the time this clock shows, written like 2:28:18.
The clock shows 3:03:23
